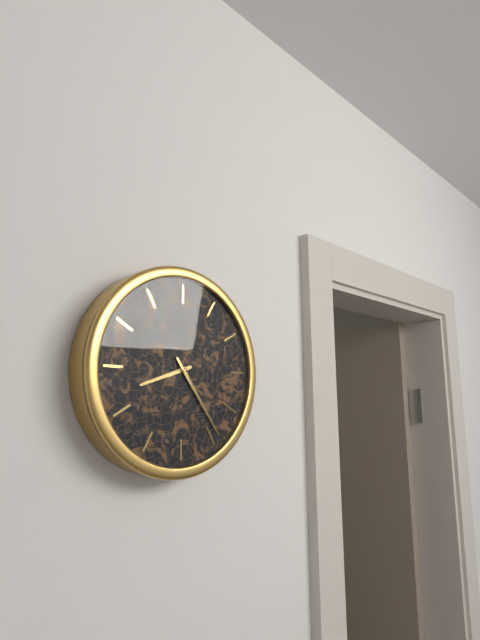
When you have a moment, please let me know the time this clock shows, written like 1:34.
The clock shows 8:24
